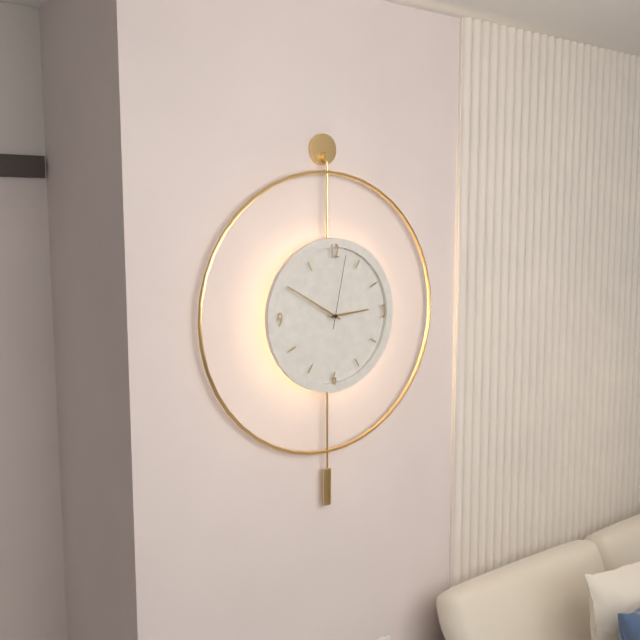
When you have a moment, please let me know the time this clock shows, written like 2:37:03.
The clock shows 2:50:02
